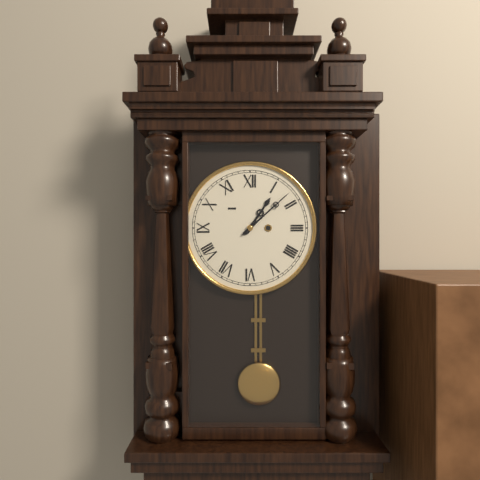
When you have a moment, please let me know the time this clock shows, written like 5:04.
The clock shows 1:08
